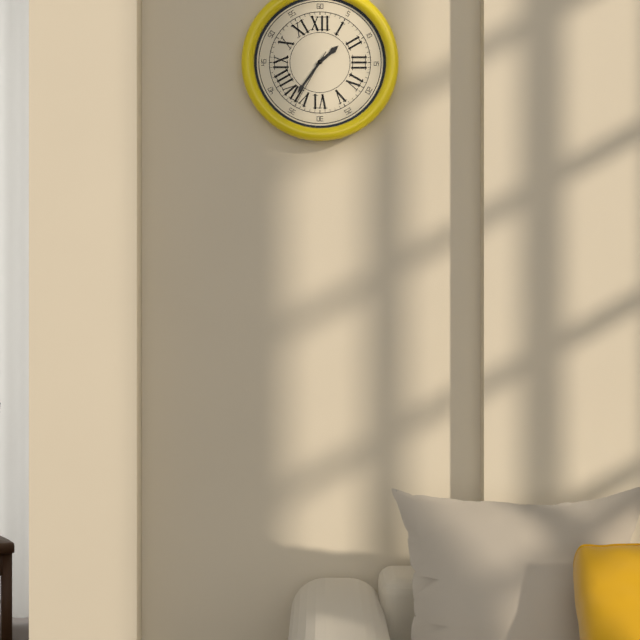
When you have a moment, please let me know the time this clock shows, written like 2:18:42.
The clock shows 1:36:35
